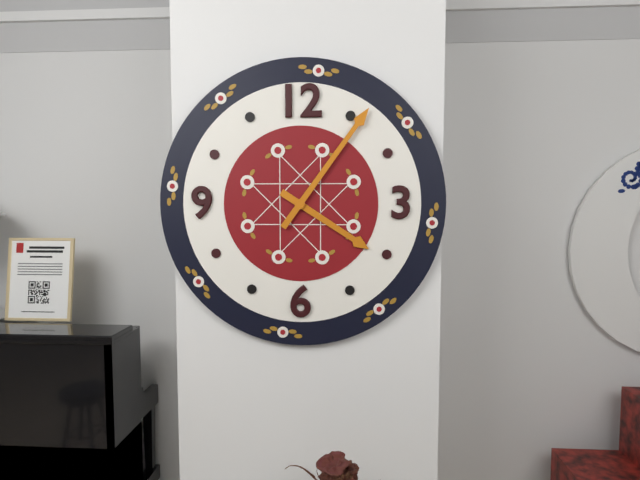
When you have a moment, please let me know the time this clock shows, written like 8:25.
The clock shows 4:06
